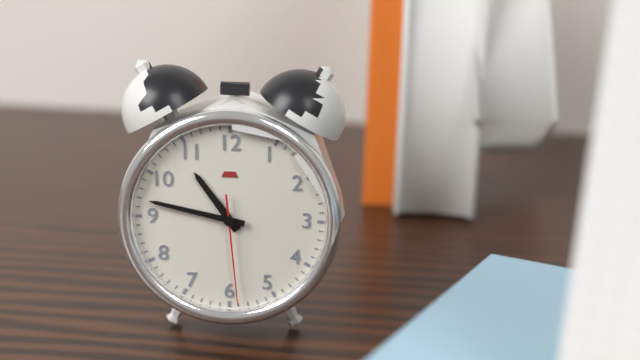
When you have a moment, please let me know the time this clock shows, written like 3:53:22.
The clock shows 10:47:29
